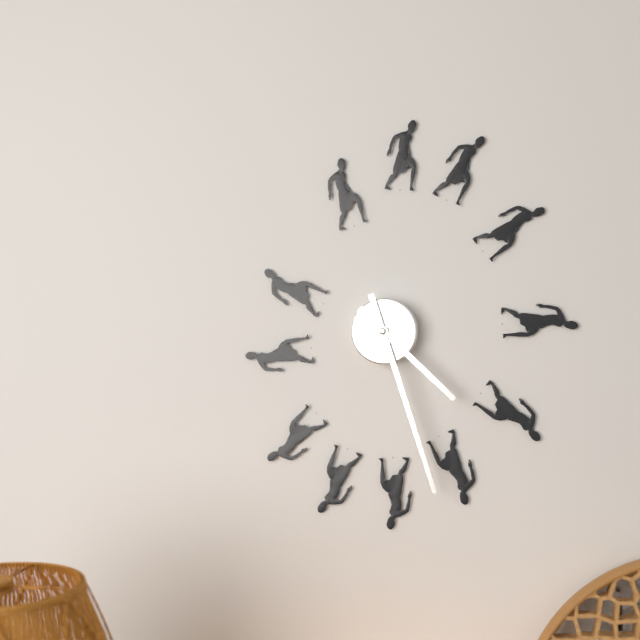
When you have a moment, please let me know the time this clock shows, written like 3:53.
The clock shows 4:27
